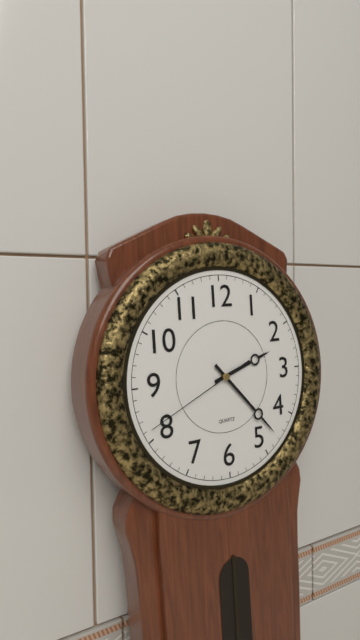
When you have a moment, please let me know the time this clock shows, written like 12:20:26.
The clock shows 2:23:41
